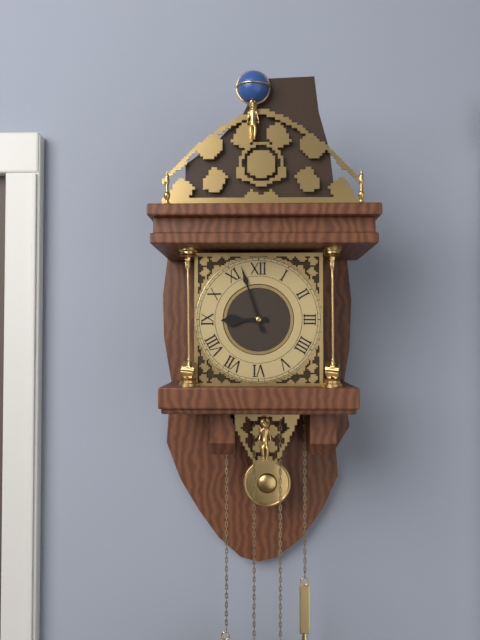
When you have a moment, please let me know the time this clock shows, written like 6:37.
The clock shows 8:57
